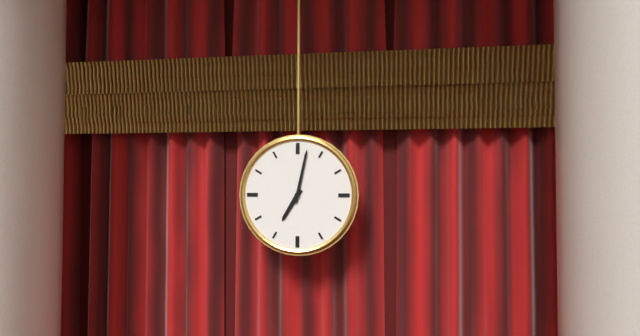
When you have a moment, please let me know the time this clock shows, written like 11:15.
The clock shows 7:02
